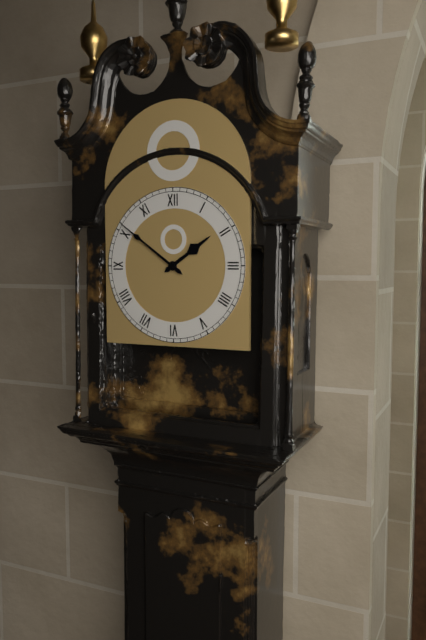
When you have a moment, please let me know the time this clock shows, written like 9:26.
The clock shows 1:51
